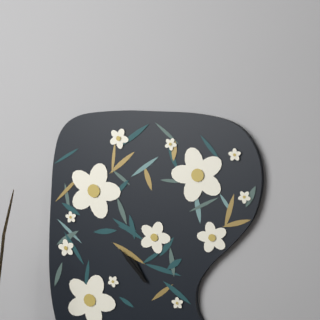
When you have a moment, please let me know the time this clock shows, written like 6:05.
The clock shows 10:53
